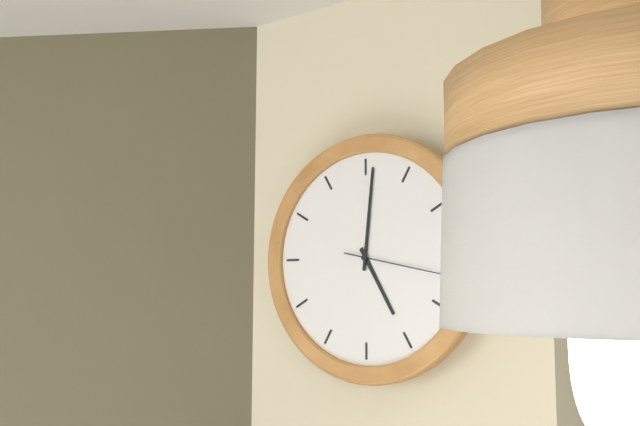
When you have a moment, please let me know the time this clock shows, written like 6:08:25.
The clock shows 5:01:17
